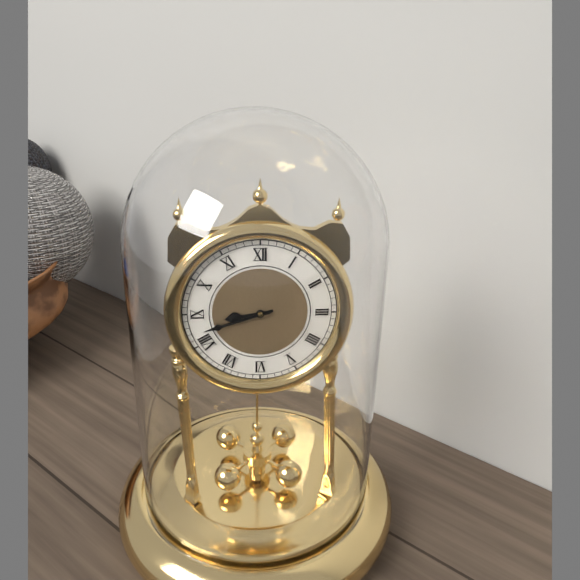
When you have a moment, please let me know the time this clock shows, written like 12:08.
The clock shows 8:42
